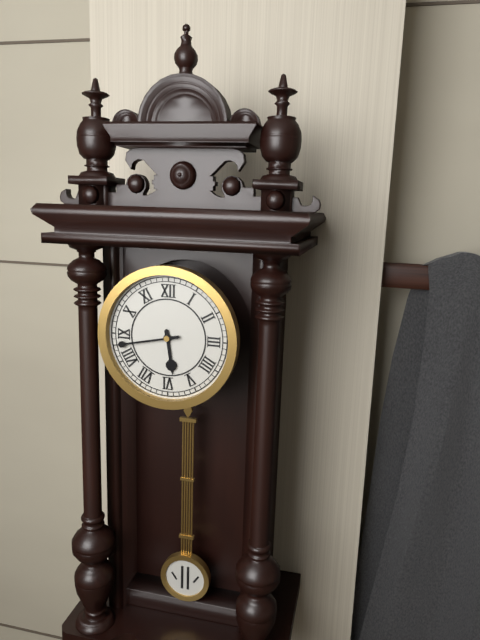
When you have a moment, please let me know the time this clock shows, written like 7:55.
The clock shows 5:43
